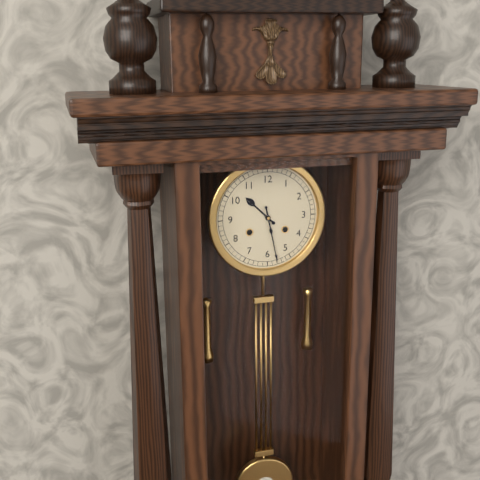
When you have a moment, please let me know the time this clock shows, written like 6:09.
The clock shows 10:28
